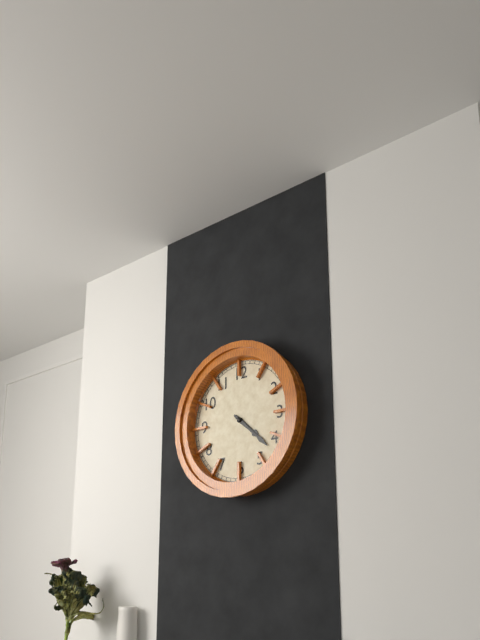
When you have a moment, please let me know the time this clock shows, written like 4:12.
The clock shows 4:22
